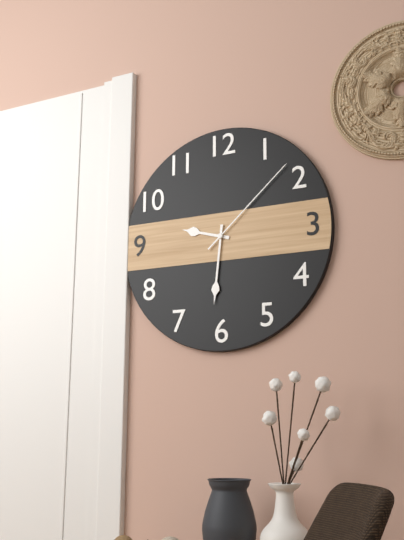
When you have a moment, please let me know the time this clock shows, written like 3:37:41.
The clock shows 9:31:08
